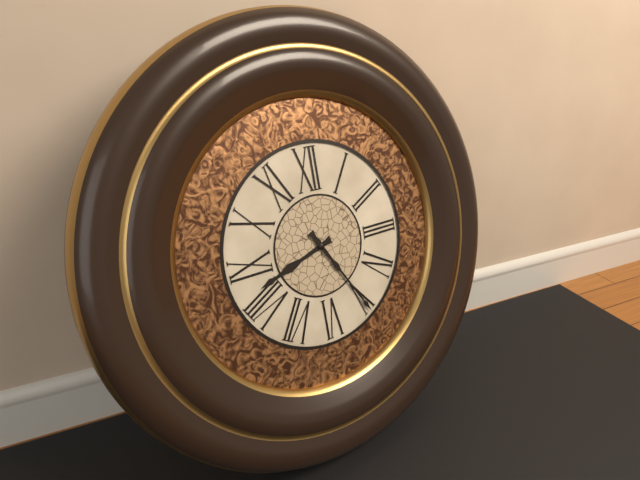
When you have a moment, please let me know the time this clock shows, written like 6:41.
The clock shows 8:25
